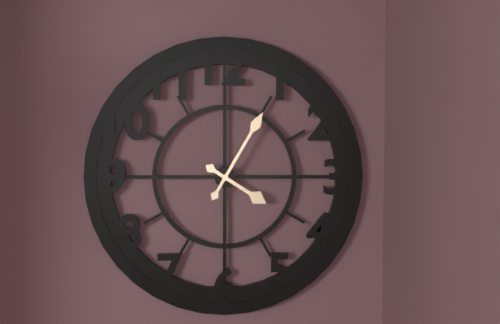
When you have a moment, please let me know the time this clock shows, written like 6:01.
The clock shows 4:05
